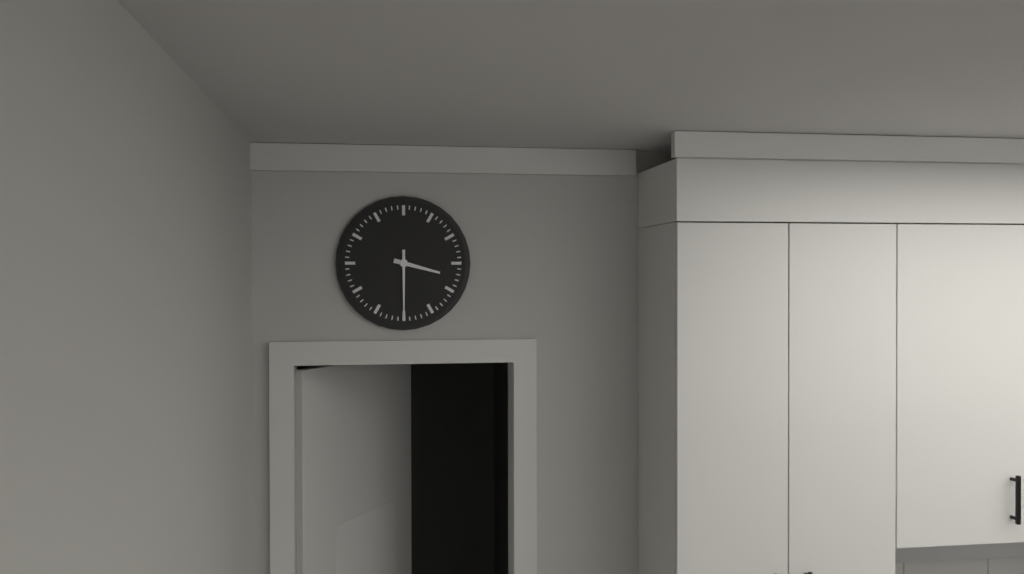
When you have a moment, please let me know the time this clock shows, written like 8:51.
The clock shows 3:30
